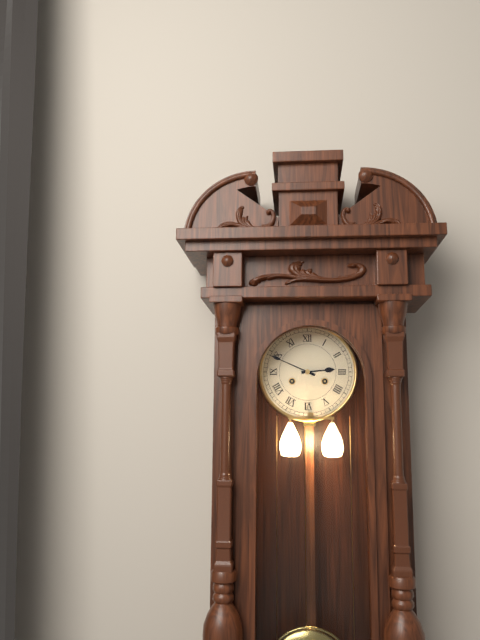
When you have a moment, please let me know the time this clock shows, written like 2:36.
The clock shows 2:49
